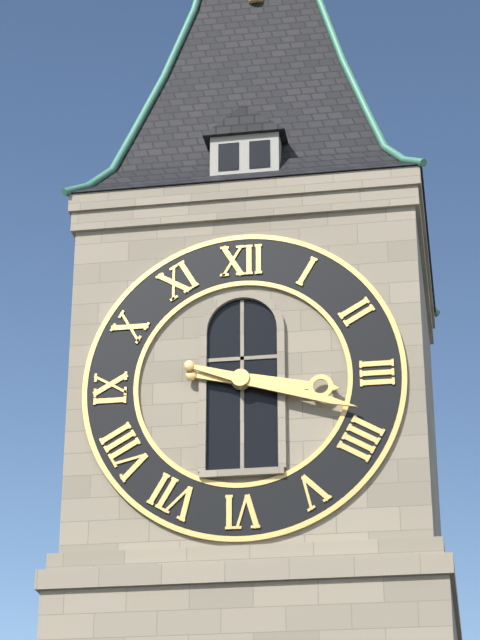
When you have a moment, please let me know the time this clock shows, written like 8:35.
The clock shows 3:18
